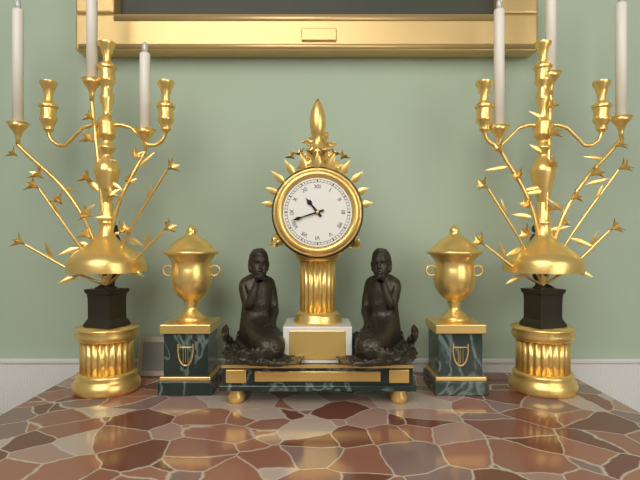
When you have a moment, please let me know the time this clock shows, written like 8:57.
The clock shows 10:42
